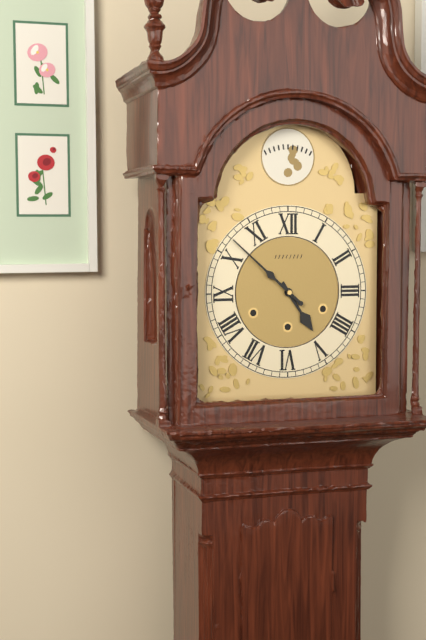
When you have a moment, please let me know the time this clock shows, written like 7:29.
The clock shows 4:52
